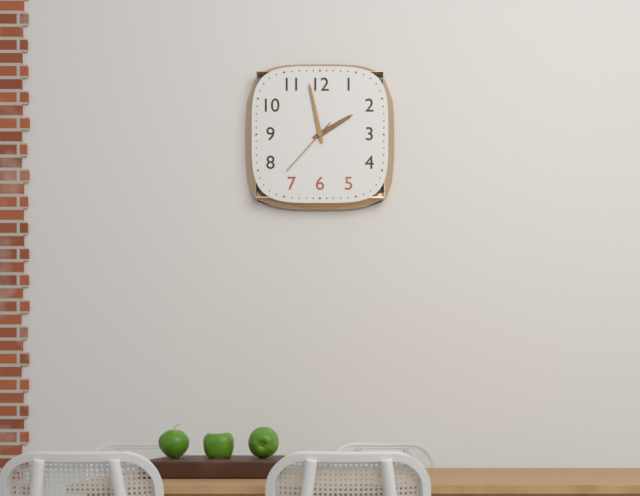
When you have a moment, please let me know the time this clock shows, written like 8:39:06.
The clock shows 1:58:37
